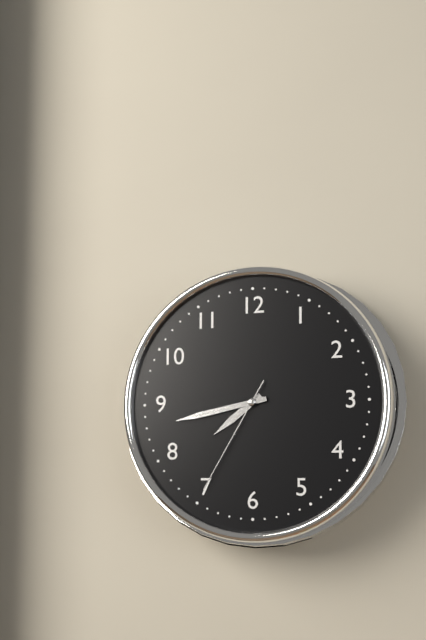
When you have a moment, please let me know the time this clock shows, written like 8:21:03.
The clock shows 7:43:35
